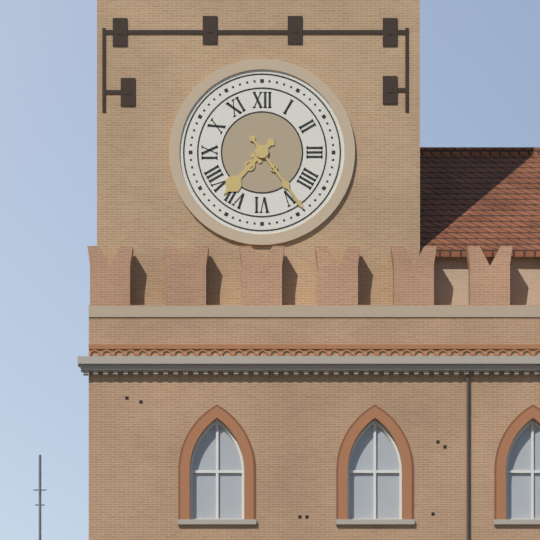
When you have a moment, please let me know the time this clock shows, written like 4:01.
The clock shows 7:24
